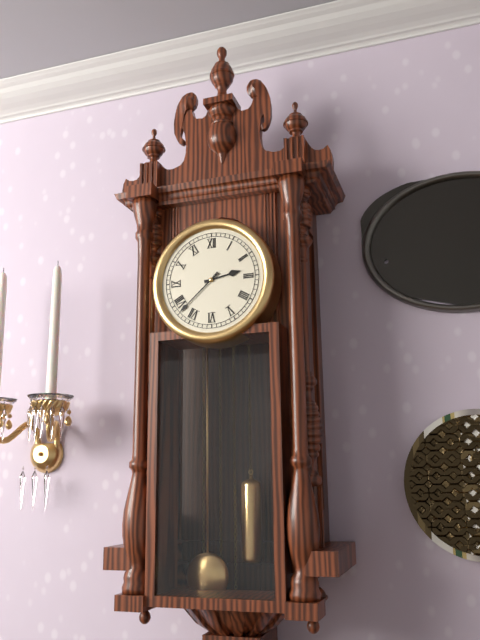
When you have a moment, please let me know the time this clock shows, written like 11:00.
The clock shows 2:38
